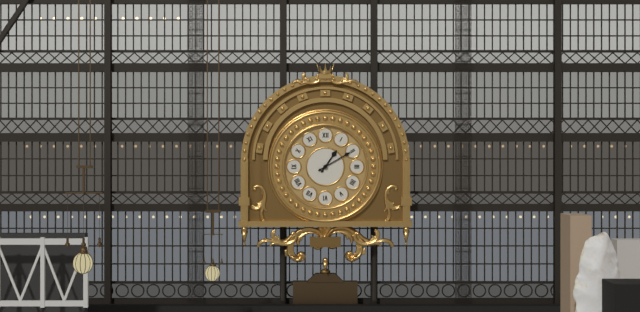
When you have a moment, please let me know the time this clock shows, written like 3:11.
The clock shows 1:10
